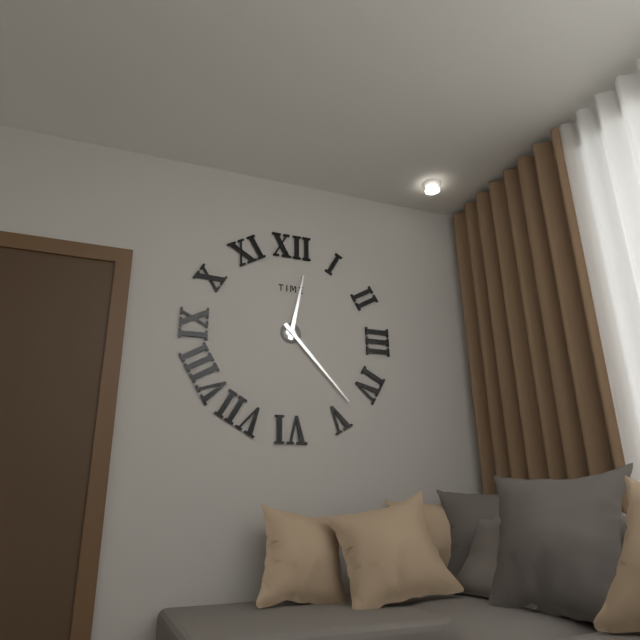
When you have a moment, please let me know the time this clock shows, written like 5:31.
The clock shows 12:23
